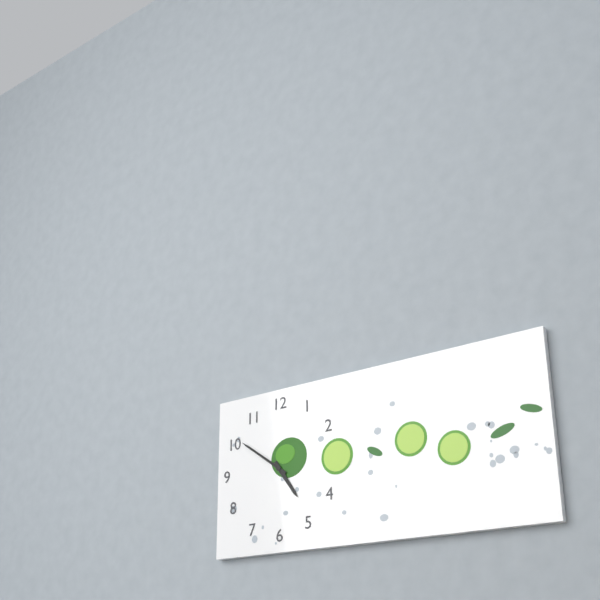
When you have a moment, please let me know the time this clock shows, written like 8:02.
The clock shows 4:51
